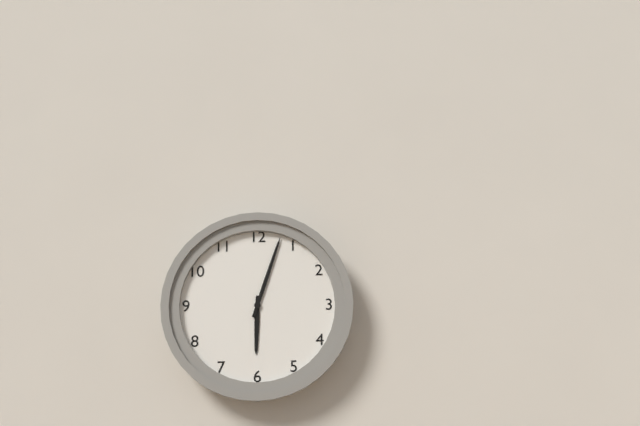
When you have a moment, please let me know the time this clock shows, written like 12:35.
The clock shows 6:03
